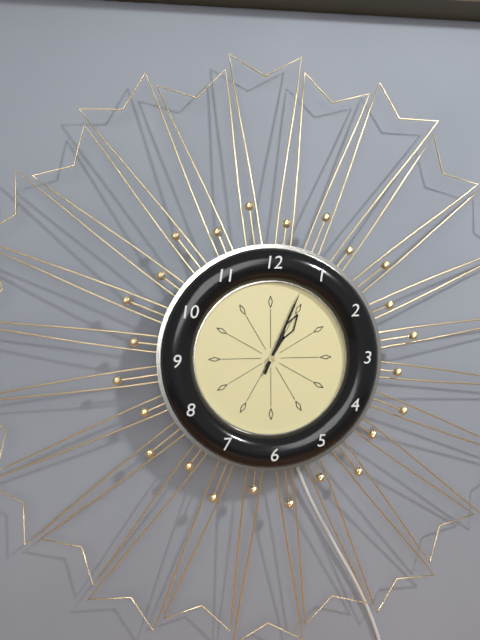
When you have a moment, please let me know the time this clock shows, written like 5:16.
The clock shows 1:04
